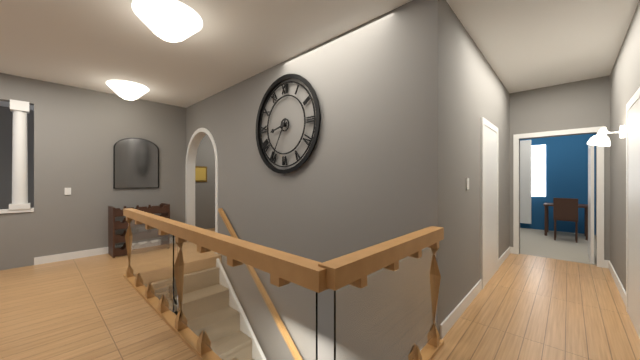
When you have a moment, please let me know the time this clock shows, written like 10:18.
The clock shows 8:35
